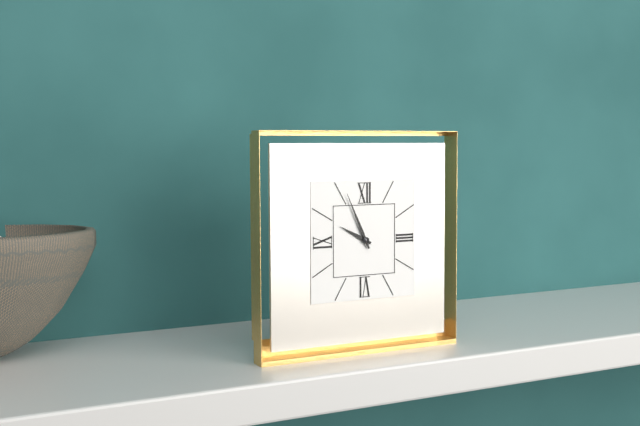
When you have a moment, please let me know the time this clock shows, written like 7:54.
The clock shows 9:56
